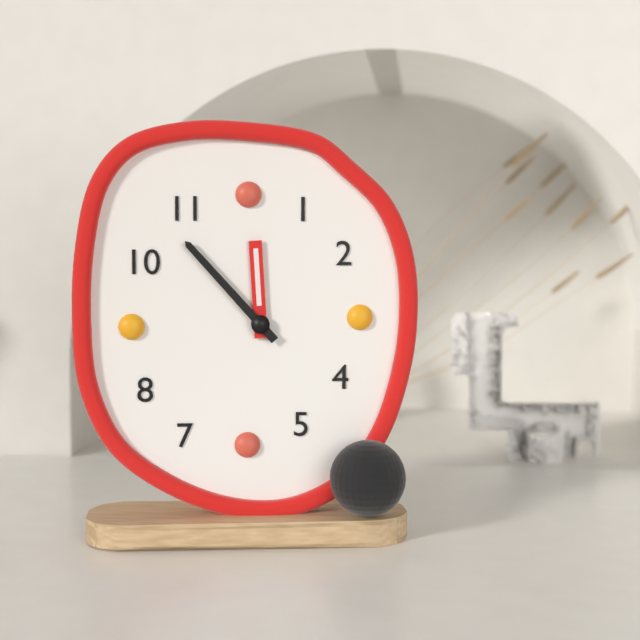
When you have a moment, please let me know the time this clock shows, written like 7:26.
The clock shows 11:53
